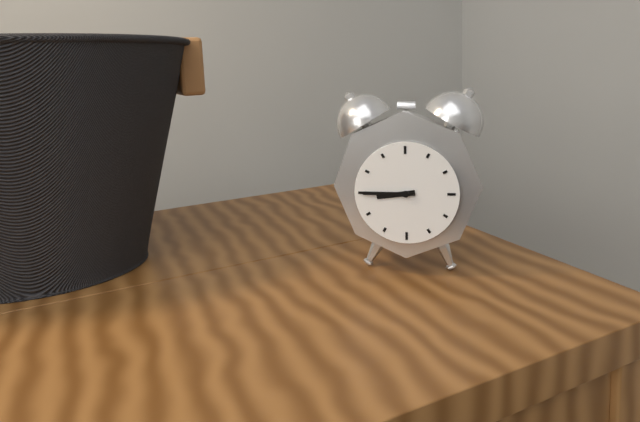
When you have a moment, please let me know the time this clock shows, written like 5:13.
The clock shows 8:45
